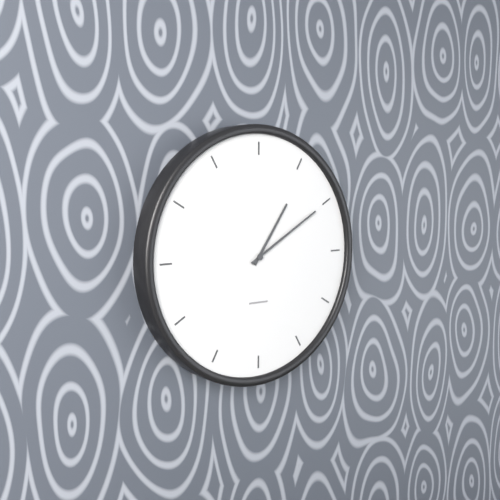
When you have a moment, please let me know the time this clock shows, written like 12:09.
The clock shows 1:10
